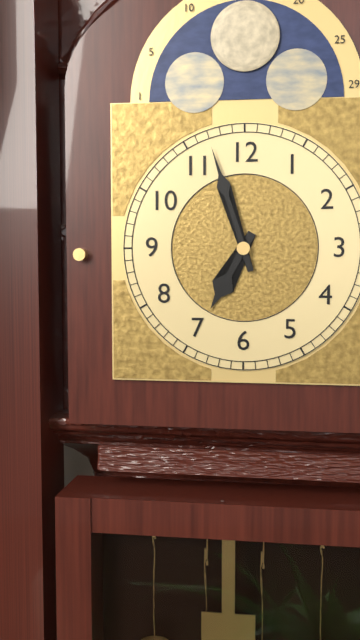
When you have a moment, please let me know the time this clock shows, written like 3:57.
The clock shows 6:57
